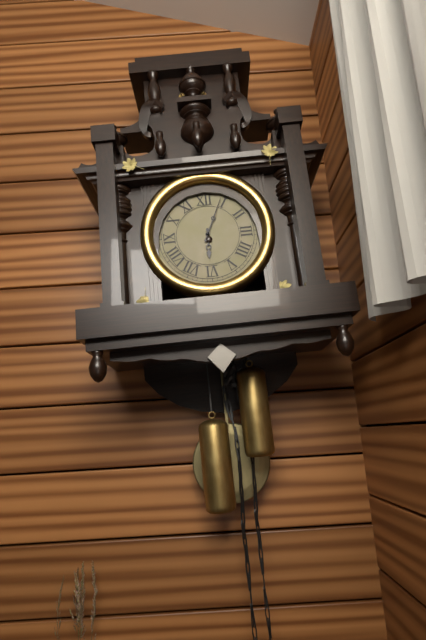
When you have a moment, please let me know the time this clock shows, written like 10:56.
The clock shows 6:04
